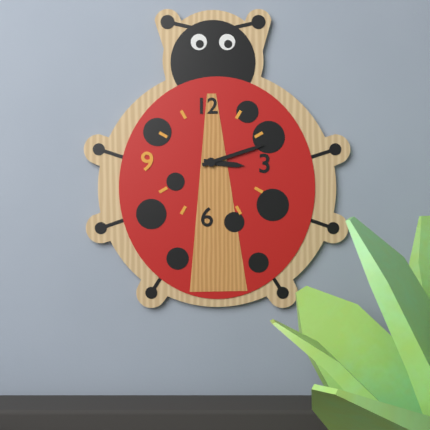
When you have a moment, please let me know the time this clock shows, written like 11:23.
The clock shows 3:12
